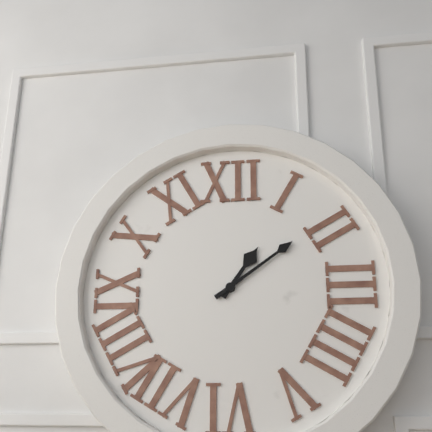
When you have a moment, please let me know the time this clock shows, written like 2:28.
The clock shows 1:09
